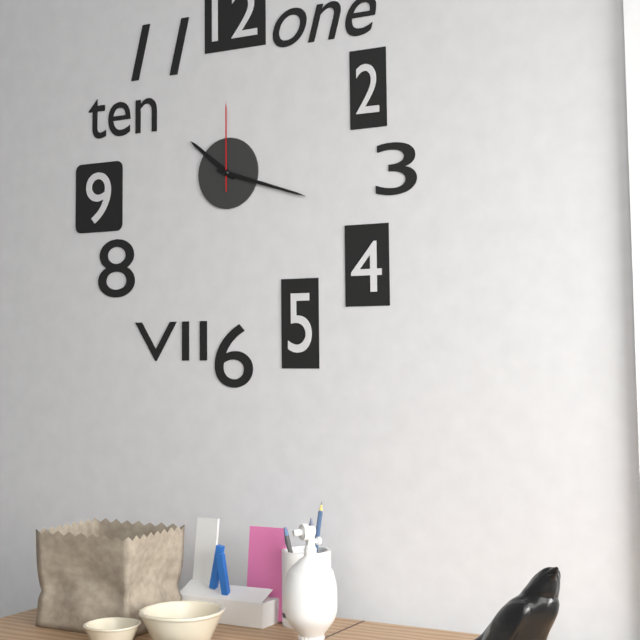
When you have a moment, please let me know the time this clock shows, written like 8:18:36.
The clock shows 10:18:00
